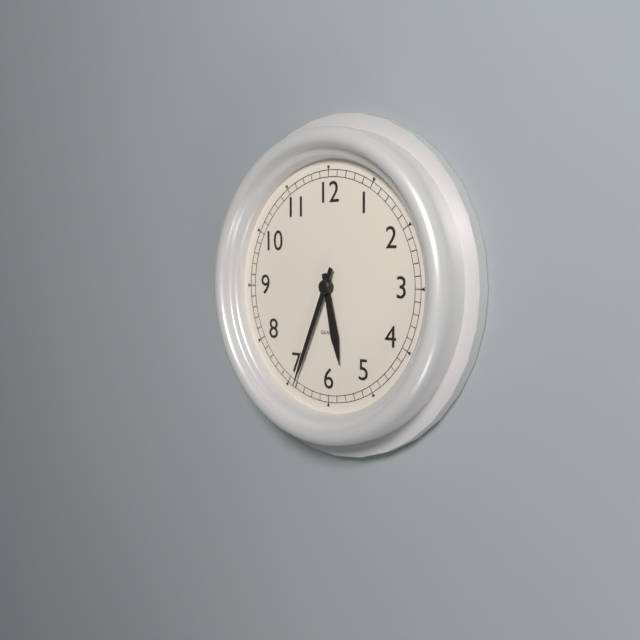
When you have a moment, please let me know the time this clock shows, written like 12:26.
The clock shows 5:34
